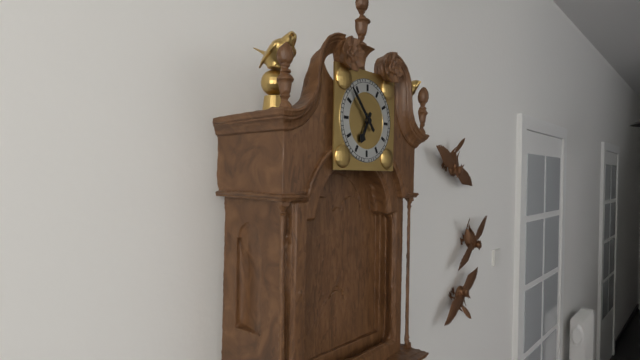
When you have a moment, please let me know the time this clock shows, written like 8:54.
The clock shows 6:53
